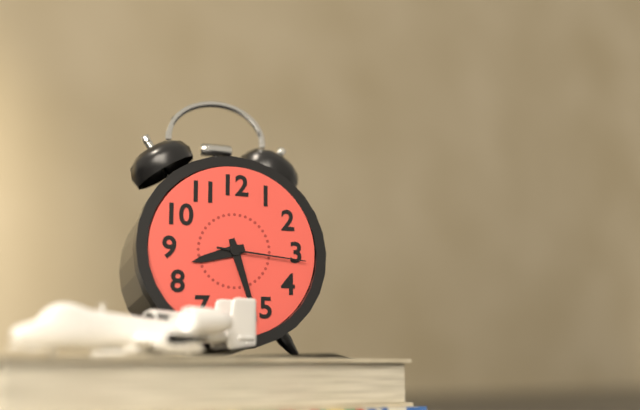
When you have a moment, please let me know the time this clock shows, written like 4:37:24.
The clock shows 8:27:16
